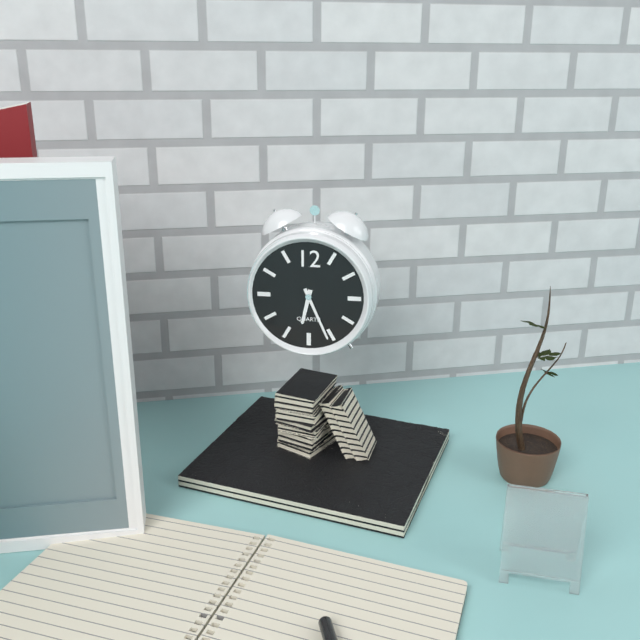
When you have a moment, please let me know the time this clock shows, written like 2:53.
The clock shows 6:26
